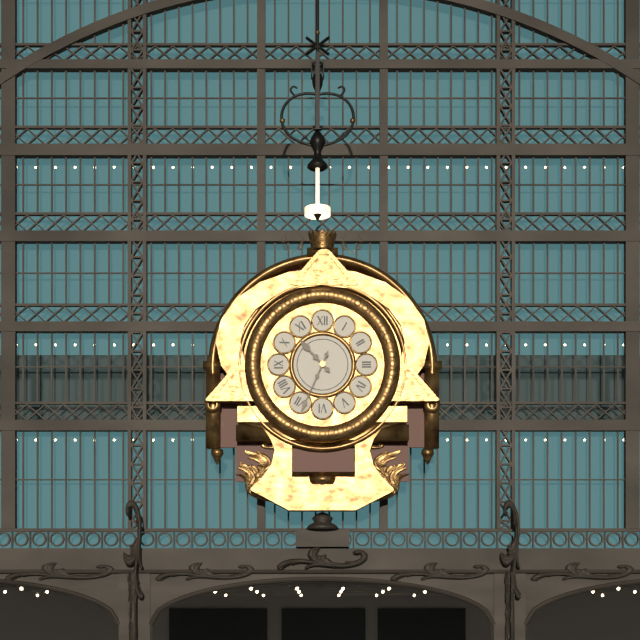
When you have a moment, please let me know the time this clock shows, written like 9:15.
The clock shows 10:34
